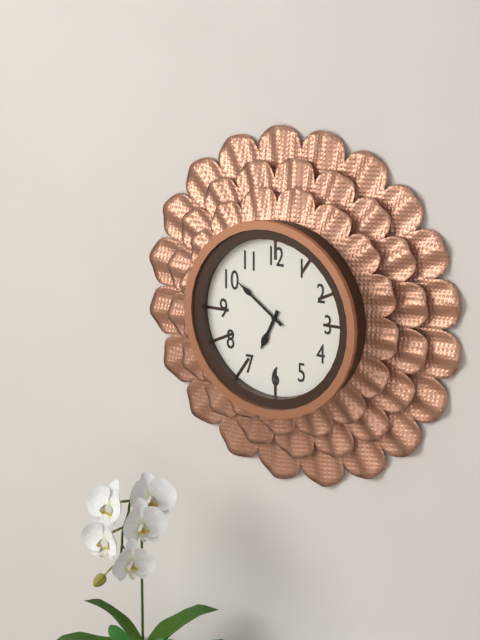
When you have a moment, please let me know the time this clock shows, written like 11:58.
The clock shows 6:51
